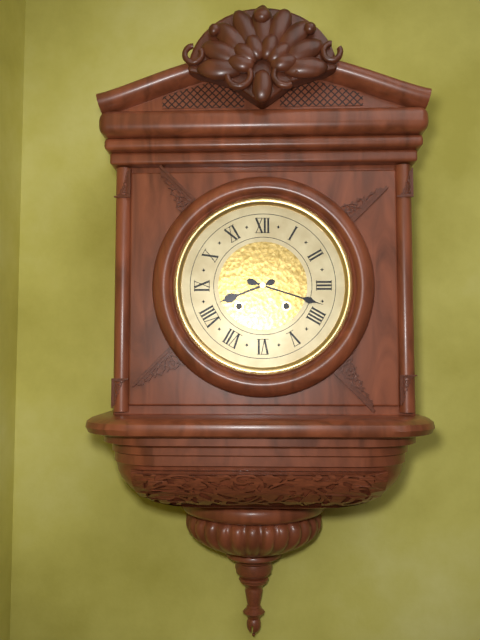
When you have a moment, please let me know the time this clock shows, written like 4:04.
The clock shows 8:18
